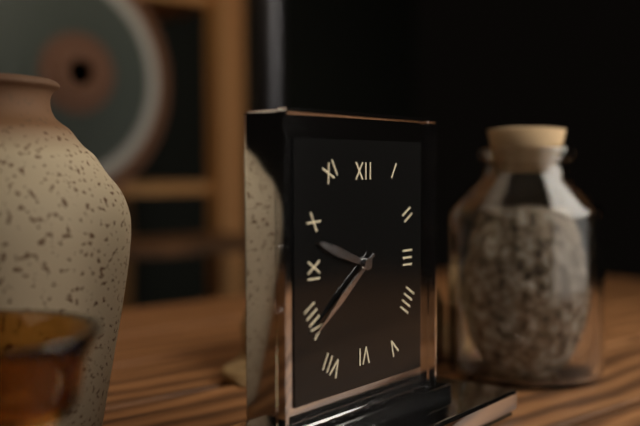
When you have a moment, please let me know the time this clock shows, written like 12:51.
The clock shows 9:39
